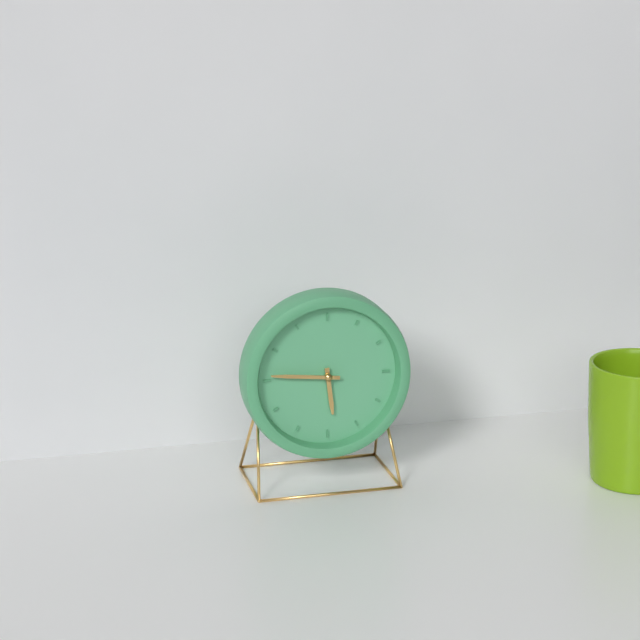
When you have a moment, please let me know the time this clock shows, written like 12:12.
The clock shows 5:46
